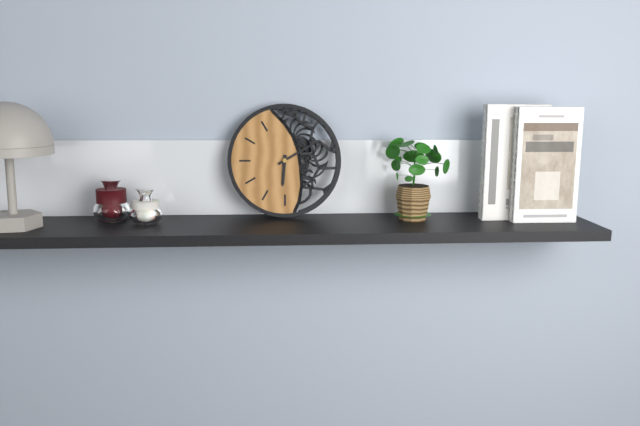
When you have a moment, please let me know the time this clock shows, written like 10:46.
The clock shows 6:10
